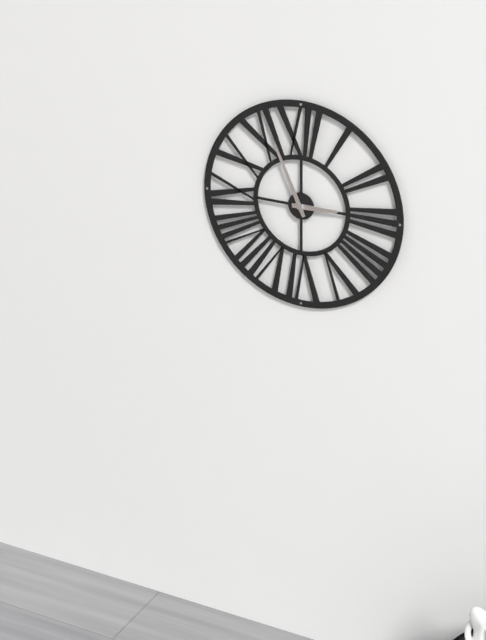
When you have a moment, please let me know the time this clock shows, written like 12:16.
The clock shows 2:56
